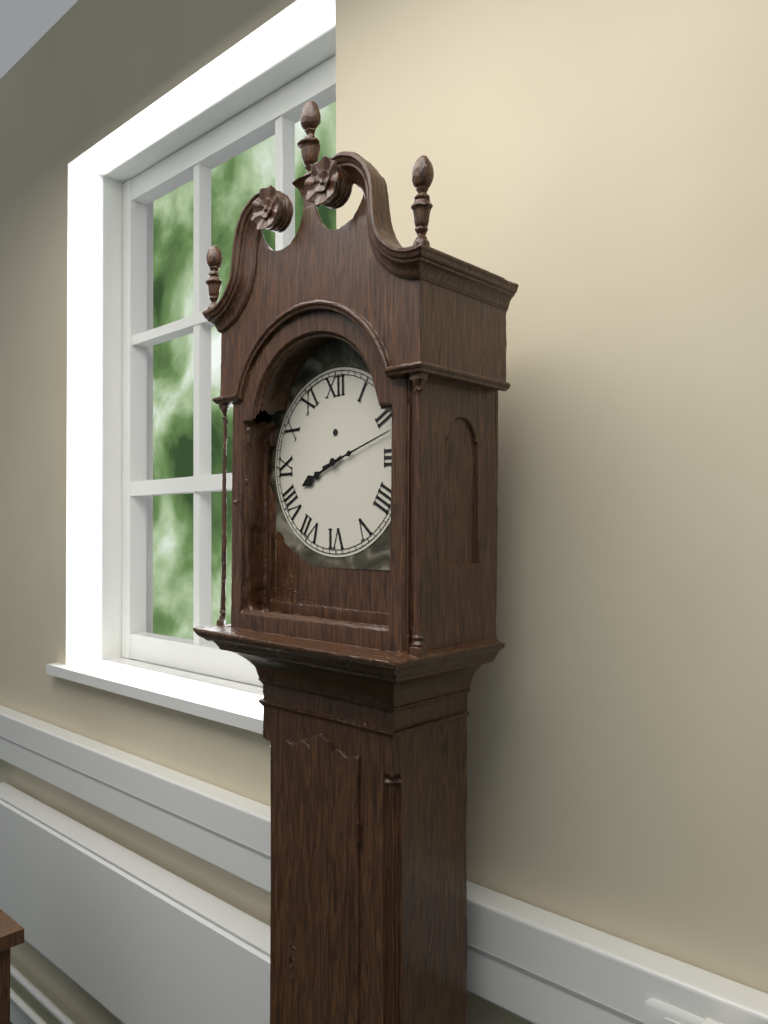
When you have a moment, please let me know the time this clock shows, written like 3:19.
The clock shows 8:12
